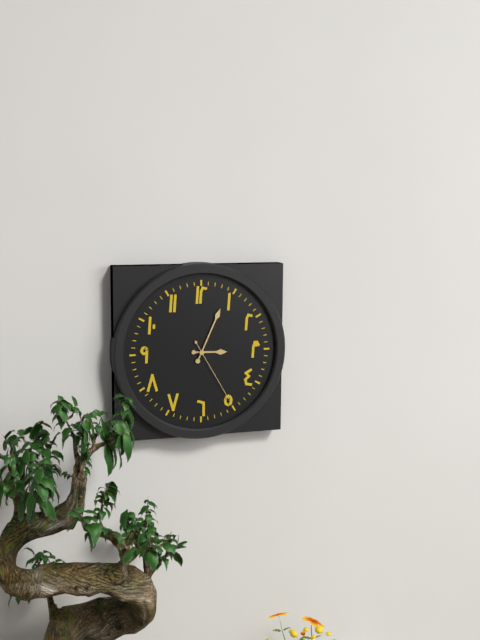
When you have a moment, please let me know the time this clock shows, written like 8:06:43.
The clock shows 3:04:25
